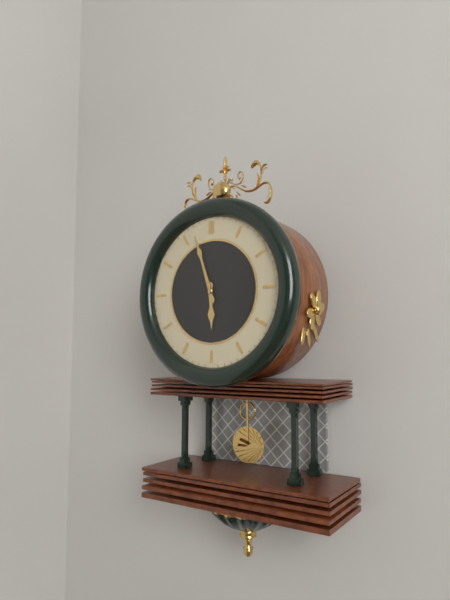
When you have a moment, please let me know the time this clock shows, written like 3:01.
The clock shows 5:57
